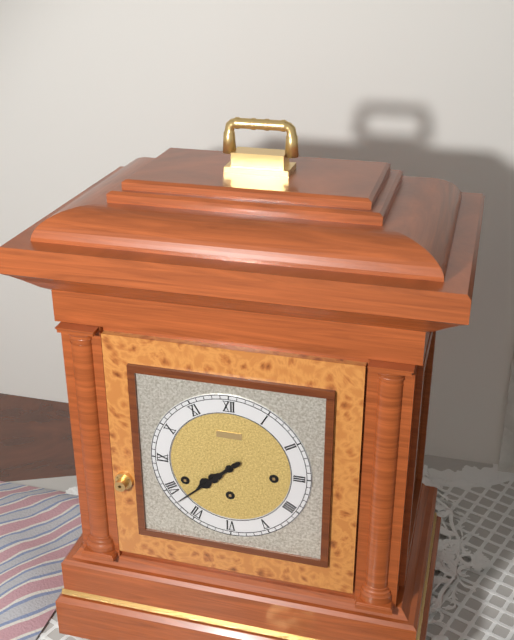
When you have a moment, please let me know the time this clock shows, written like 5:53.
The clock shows 7:38
